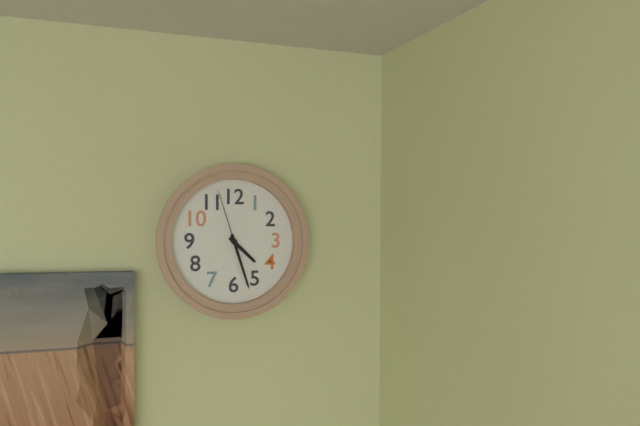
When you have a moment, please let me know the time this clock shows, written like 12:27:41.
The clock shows 4:27:57
